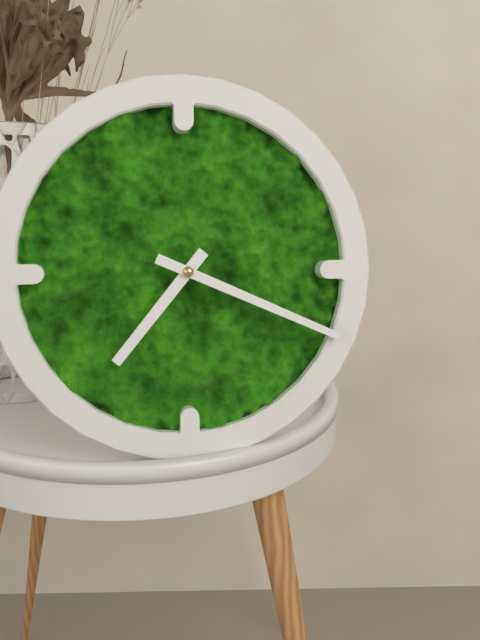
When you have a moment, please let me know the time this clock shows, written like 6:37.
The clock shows 7:19
